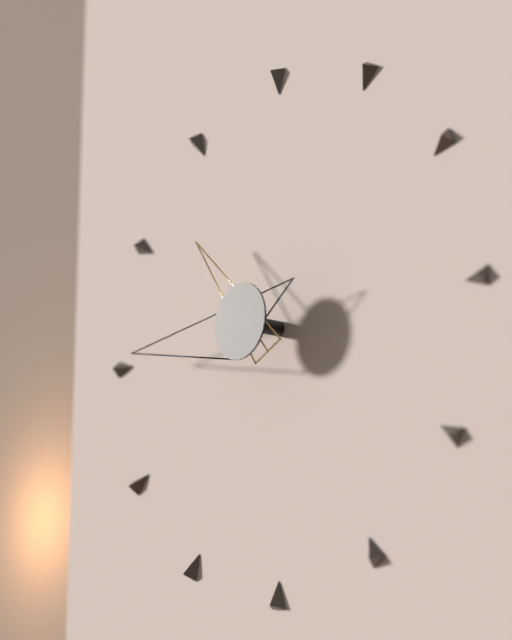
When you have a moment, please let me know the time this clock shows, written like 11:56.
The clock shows 10:45
